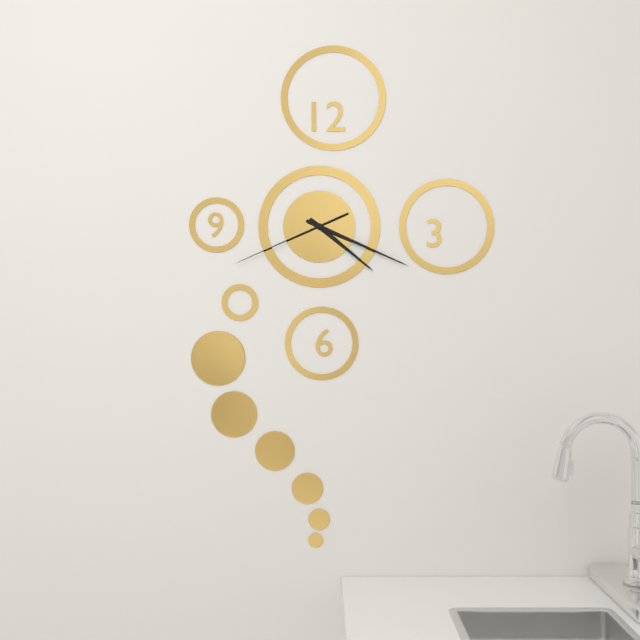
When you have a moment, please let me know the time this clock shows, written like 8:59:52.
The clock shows 4:19:41
